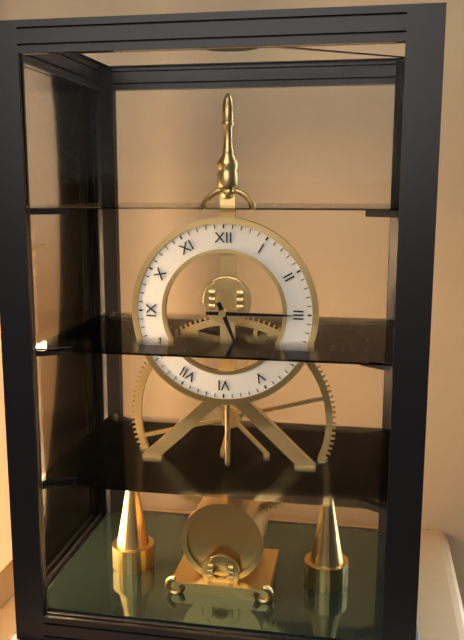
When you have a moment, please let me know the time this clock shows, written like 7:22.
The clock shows 5:15
